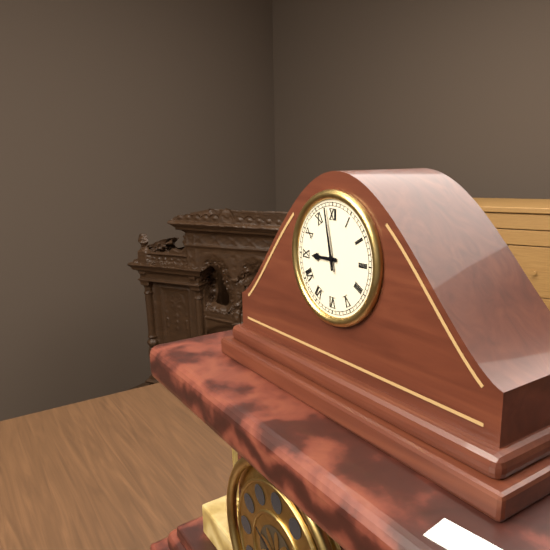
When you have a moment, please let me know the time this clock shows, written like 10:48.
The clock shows 8:58
